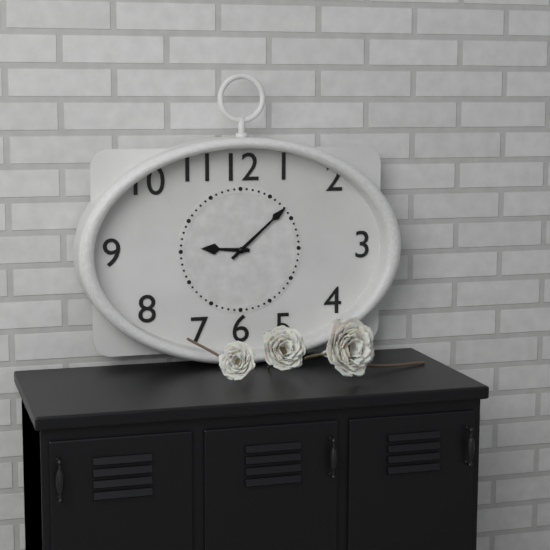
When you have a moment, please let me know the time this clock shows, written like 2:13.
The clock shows 9:08
